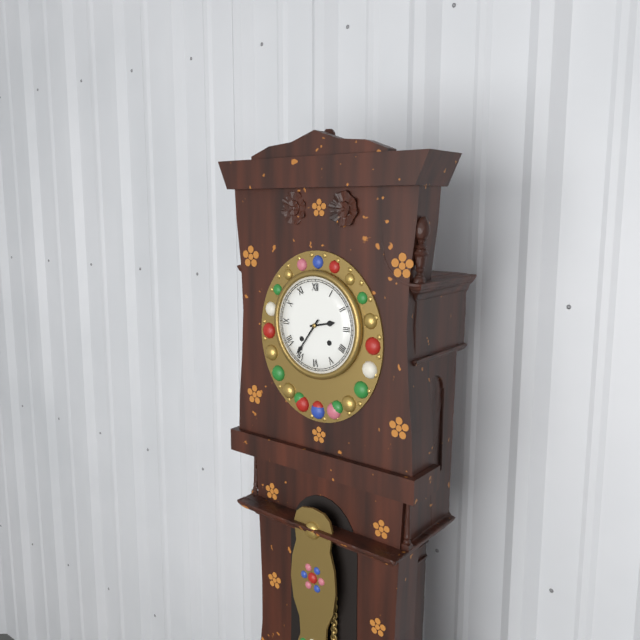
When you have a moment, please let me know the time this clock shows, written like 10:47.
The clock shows 2:36
